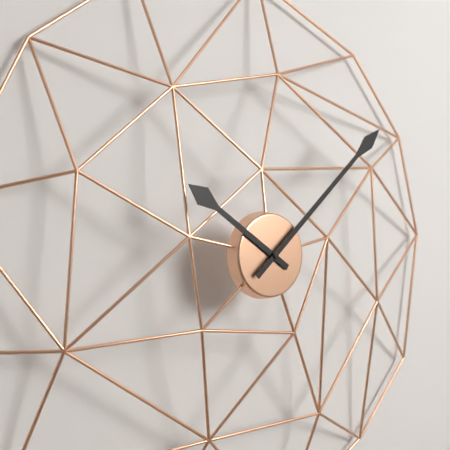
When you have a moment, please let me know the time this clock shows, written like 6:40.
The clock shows 10:08
